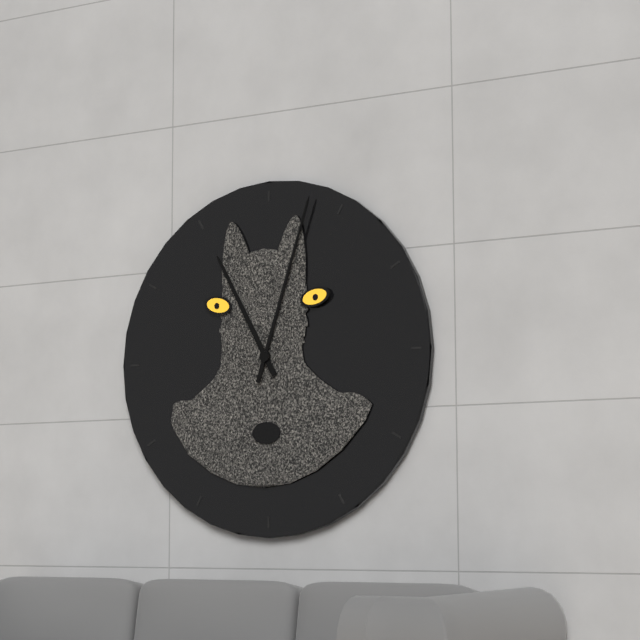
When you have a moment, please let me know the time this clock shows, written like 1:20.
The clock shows 11:03
